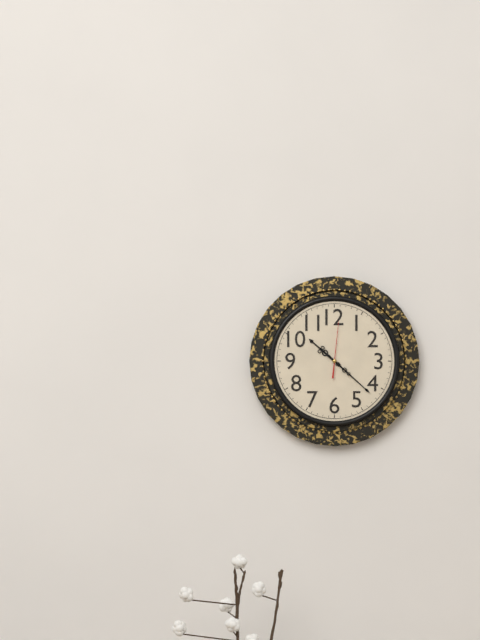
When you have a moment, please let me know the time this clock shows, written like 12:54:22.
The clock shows 10:22:01
